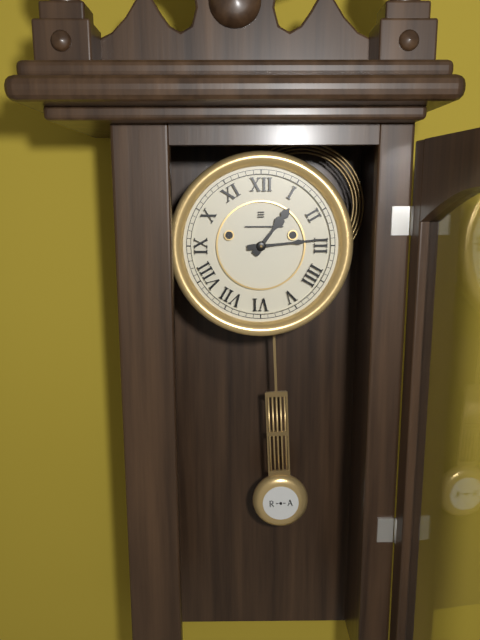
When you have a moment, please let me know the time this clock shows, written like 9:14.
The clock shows 1:14
